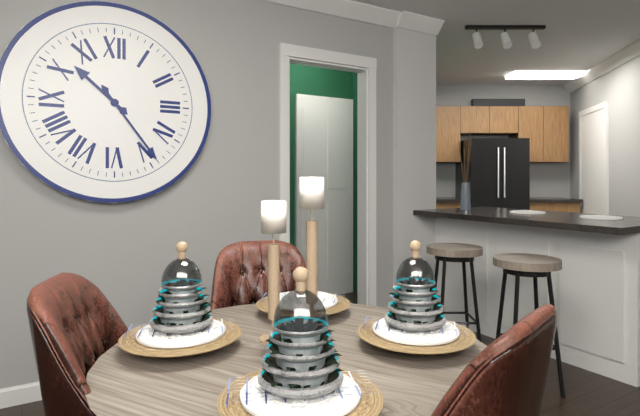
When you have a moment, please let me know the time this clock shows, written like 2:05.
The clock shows 10:24
